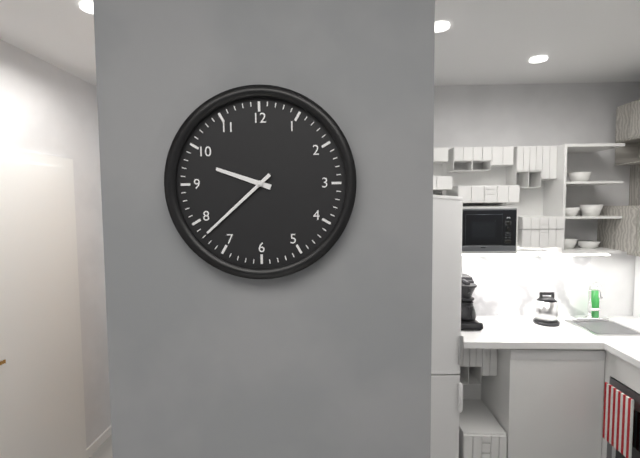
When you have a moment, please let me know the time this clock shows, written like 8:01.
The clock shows 9:38
